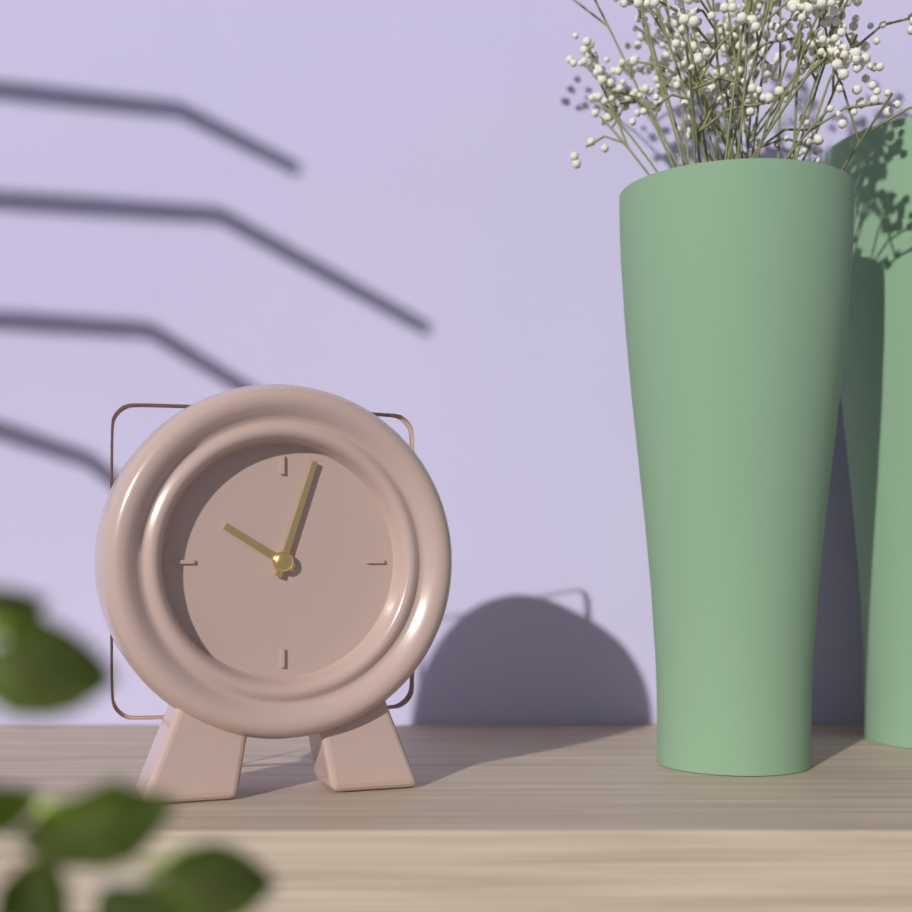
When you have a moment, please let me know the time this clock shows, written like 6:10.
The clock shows 10:03
